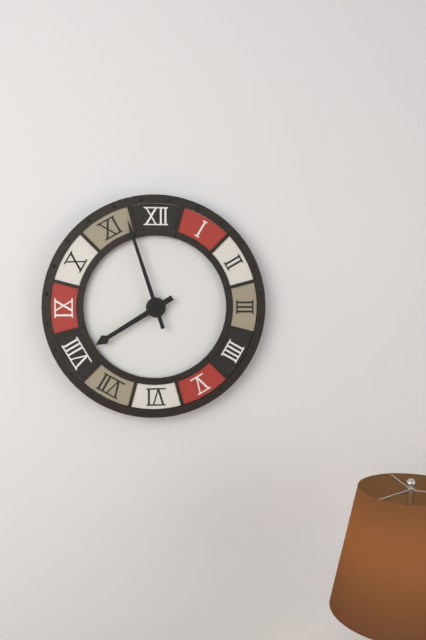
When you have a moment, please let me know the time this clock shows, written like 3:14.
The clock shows 7:57
